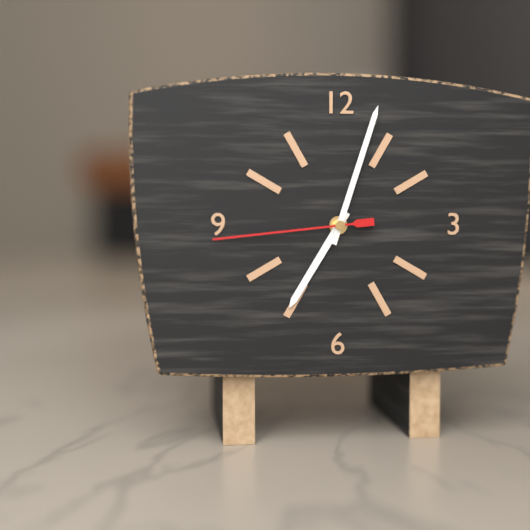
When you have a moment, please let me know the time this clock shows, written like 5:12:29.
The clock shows 7:03:44
